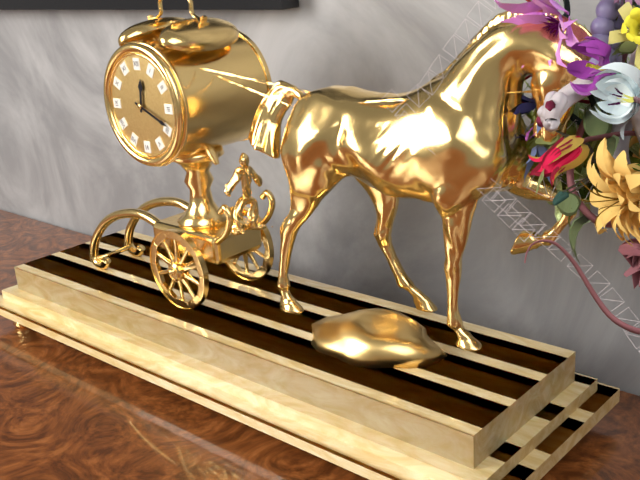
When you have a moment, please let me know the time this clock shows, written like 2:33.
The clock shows 12:19
